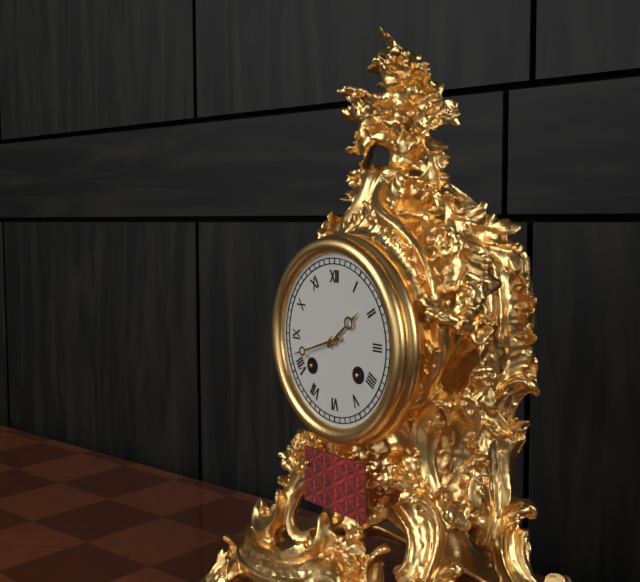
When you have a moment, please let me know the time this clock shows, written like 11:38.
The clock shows 1:42
